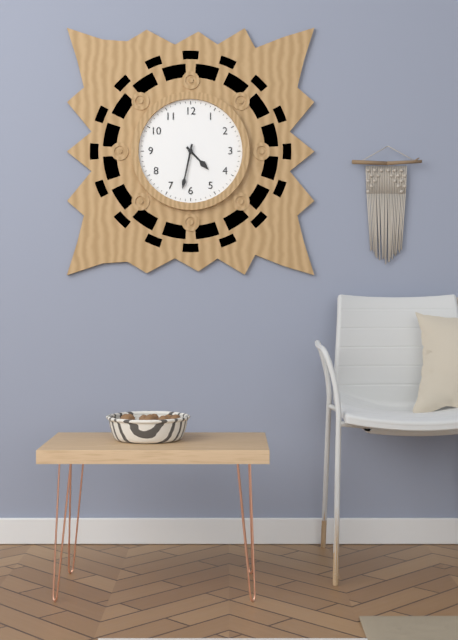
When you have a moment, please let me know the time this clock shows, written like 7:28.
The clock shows 4:32
